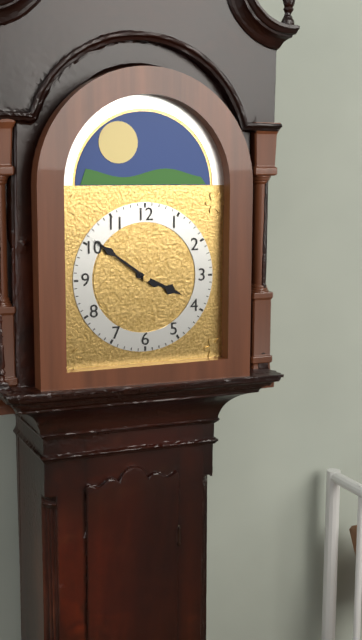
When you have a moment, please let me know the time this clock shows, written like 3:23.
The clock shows 3:51
